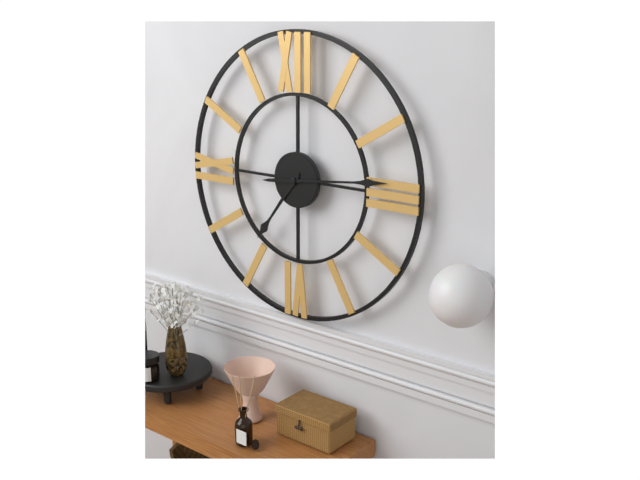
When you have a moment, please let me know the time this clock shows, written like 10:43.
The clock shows 7:14
